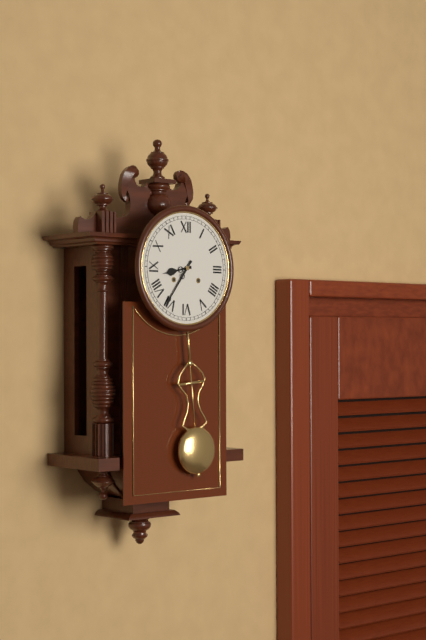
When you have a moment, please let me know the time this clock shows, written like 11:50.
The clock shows 8:36
